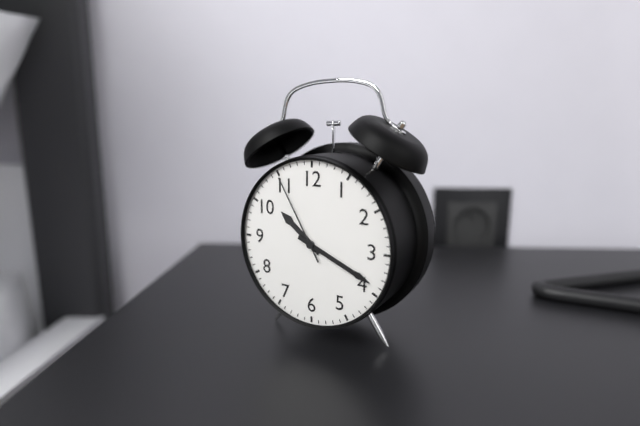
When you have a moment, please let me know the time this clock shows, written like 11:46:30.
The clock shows 10:19:55
